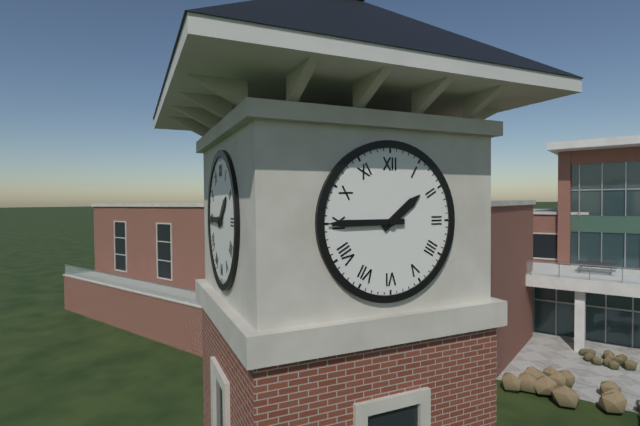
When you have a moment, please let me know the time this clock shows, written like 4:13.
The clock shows 1:45
